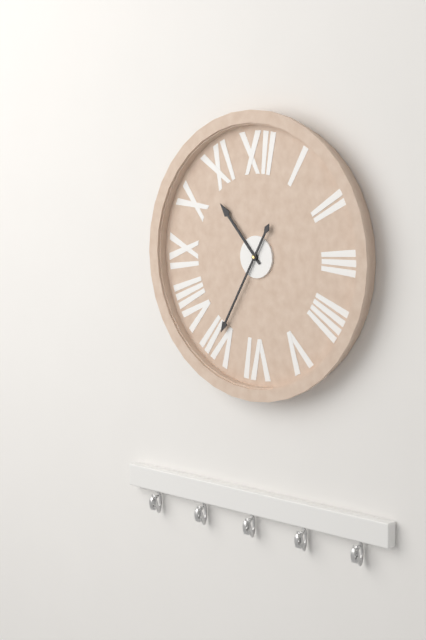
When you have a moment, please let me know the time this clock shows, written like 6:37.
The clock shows 10:35
